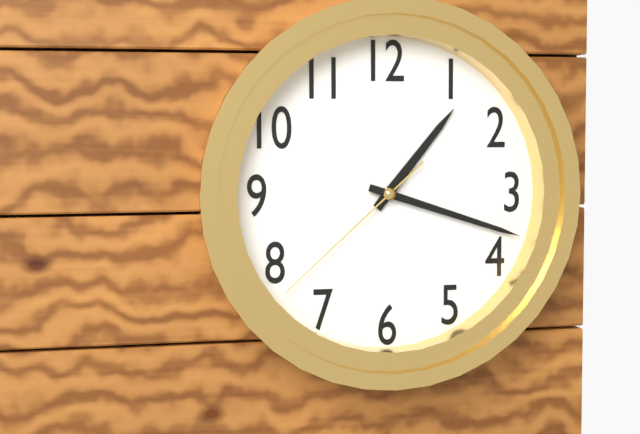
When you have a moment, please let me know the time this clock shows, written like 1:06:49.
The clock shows 1:18:38
